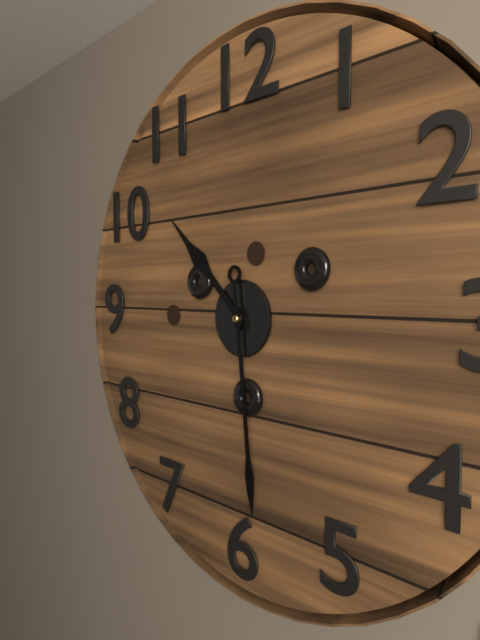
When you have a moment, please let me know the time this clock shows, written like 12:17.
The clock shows 10:29
